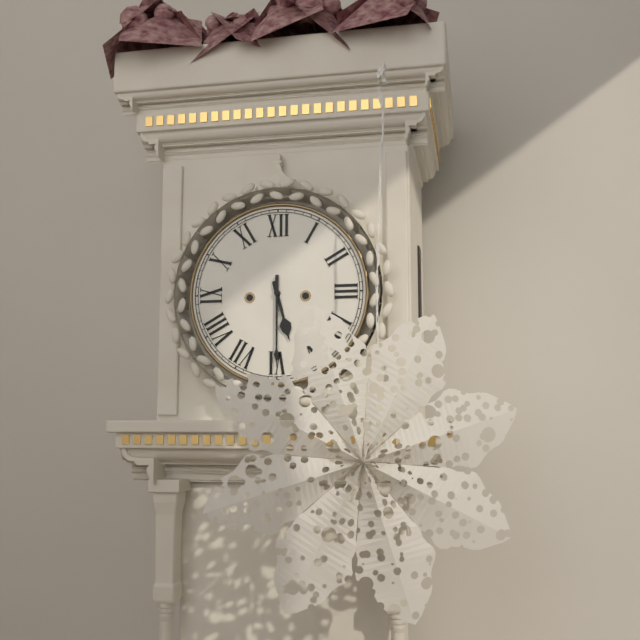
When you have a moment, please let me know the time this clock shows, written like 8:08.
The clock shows 5:30
